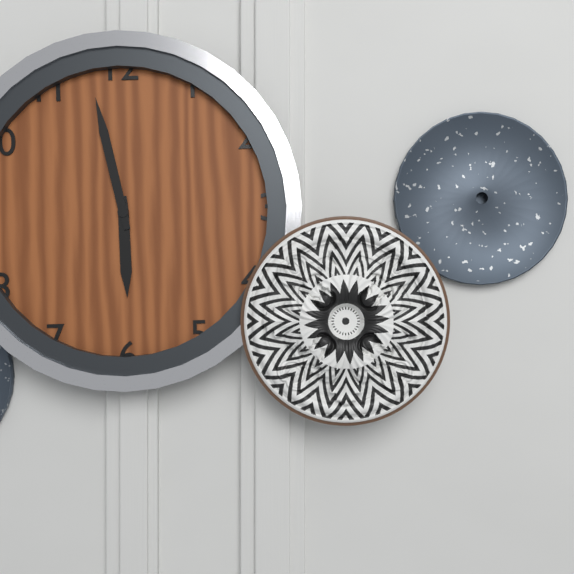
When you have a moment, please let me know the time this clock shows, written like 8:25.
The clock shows 5:58
